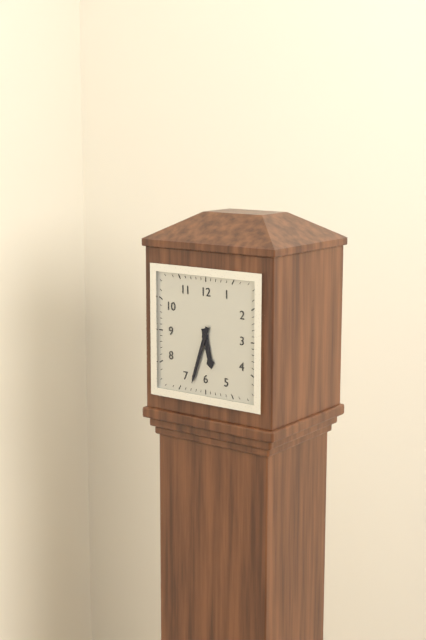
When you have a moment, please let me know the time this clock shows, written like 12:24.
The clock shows 5:33
